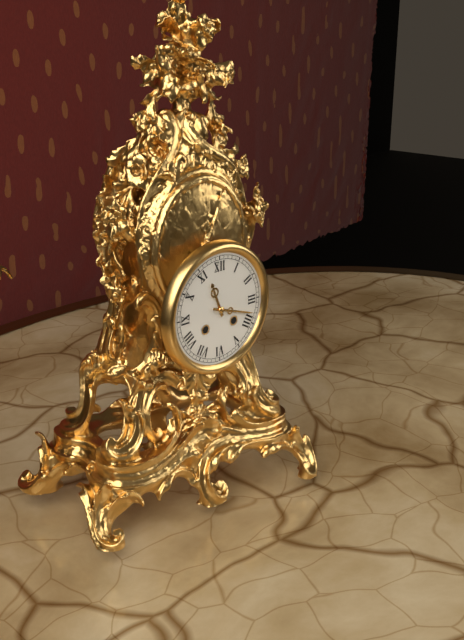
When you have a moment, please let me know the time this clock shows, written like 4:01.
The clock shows 11:18
